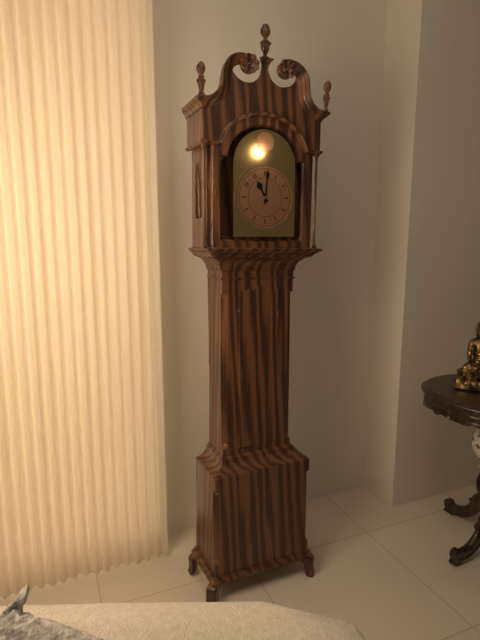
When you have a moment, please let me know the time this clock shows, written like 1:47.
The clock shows 11:01
